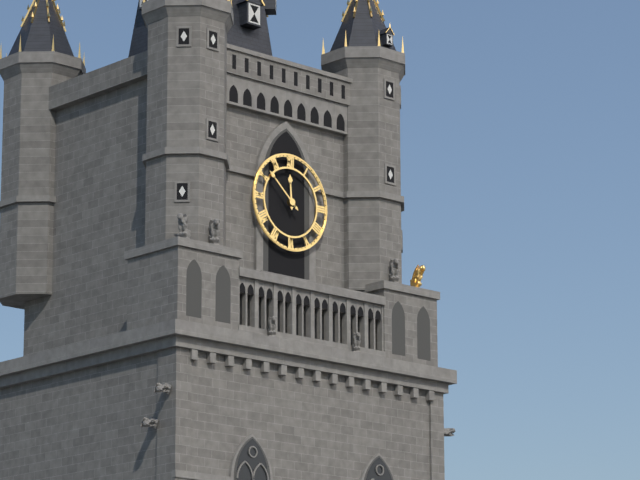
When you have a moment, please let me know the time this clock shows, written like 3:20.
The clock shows 11:52
